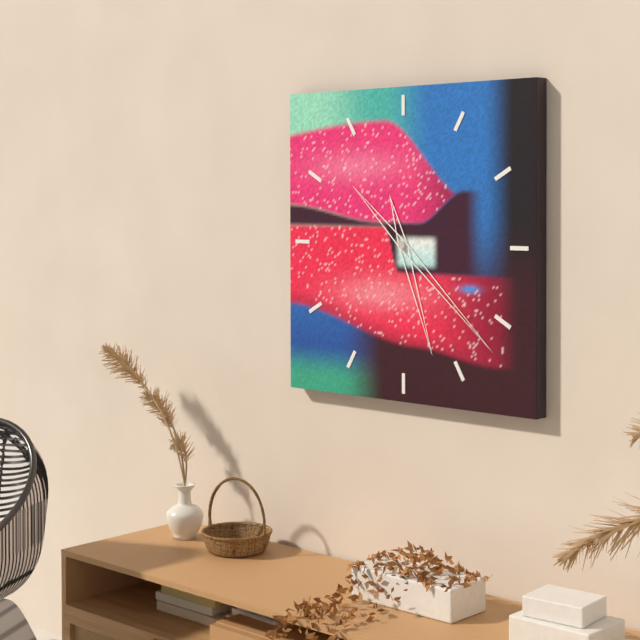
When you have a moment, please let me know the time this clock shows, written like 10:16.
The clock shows 5:22
